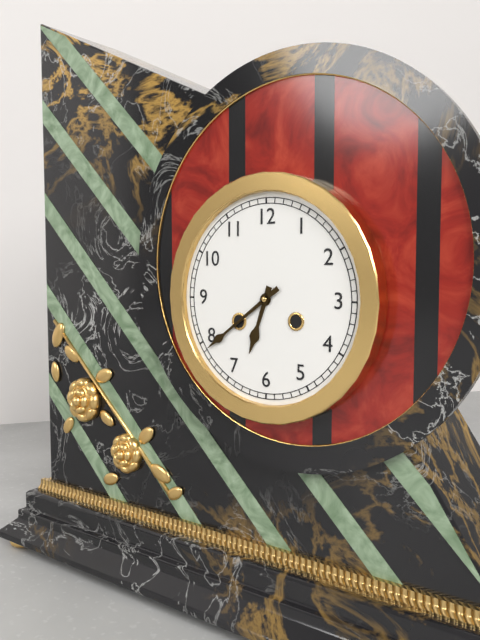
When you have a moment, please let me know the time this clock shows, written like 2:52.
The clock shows 6:39
